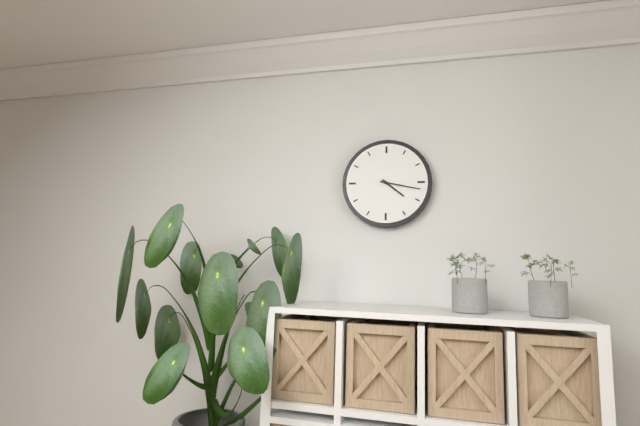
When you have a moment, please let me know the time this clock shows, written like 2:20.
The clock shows 4:17
